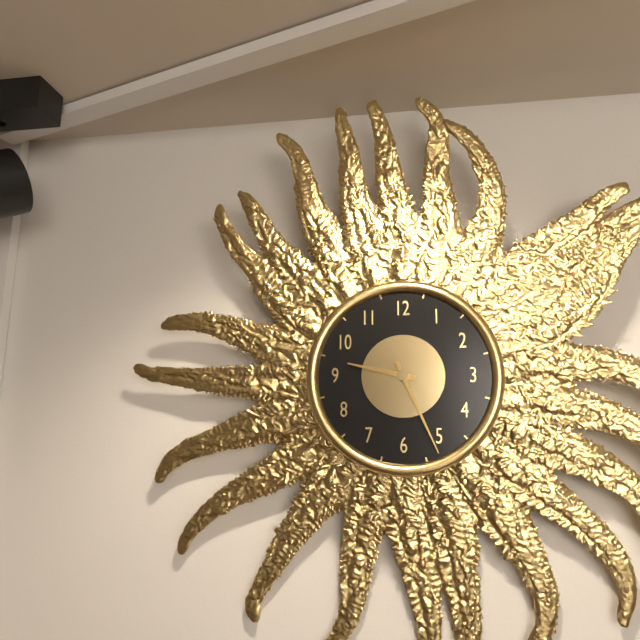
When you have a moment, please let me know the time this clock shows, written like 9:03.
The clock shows 9:26
